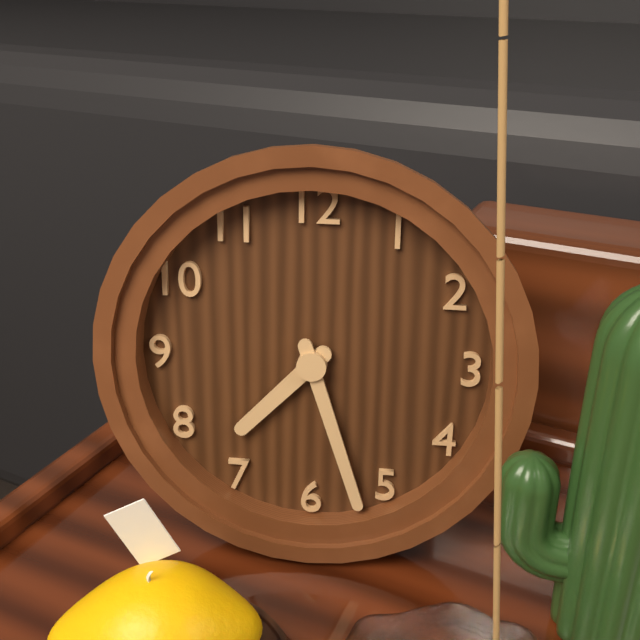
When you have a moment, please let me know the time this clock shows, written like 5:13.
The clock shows 7:27
